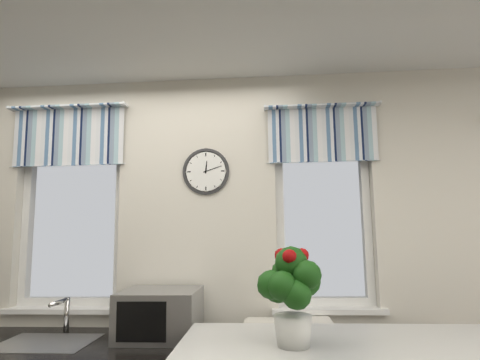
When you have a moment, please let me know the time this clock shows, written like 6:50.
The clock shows 12:12
